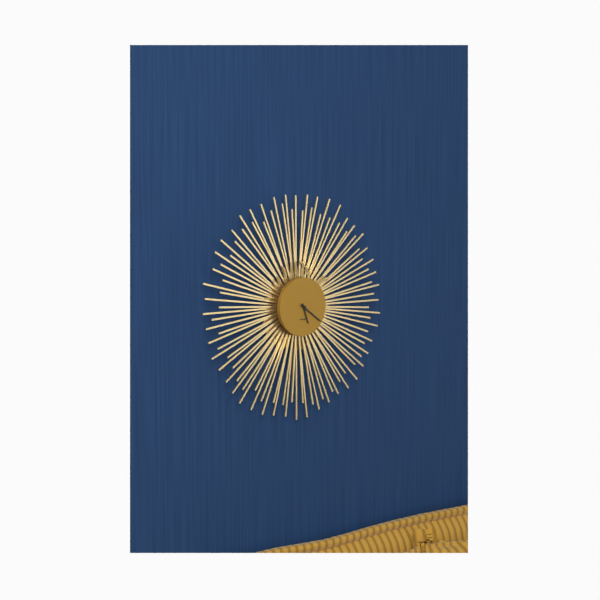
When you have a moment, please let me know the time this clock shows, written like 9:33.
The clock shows 5:21
